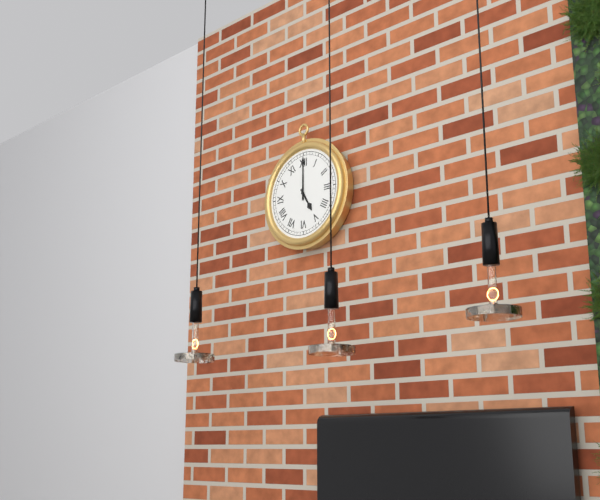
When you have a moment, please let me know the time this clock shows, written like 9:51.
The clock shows 5:00
